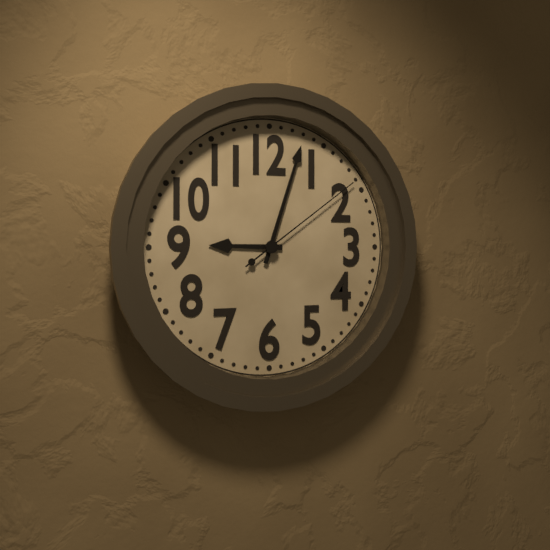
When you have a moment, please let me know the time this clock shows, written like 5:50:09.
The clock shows 9:03:09
